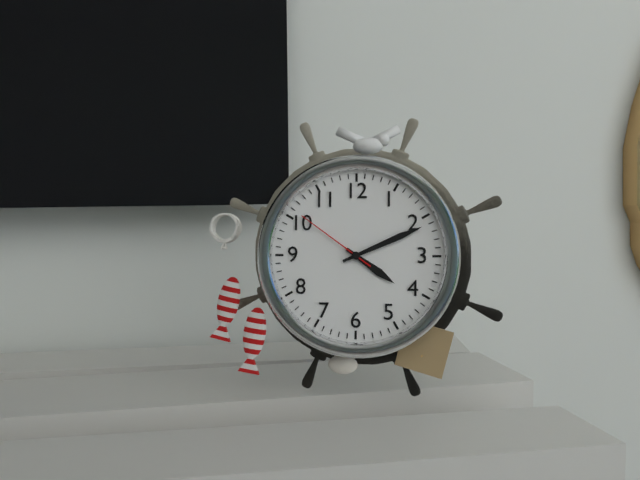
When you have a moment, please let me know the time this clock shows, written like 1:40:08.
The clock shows 4:11:51
